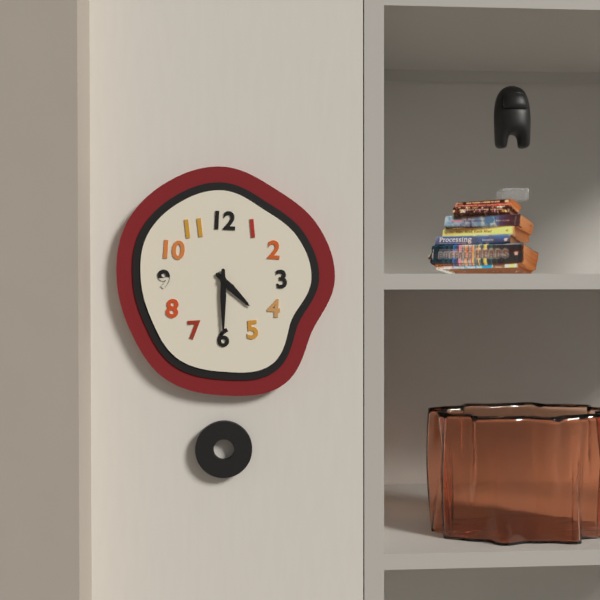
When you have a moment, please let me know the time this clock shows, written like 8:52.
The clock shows 4:30
